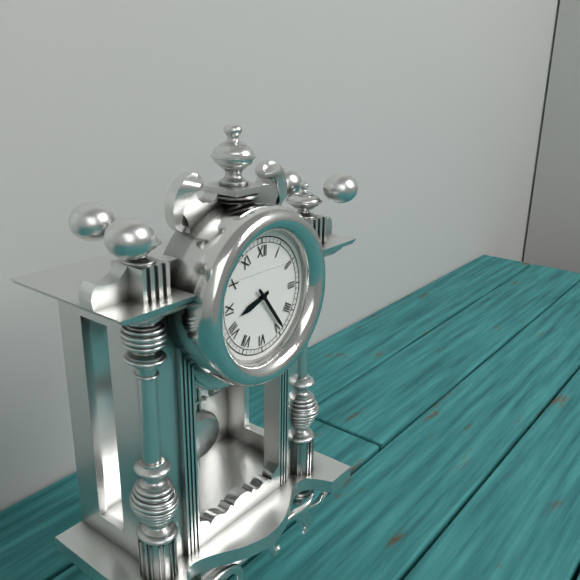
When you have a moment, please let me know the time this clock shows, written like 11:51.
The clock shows 8:24
